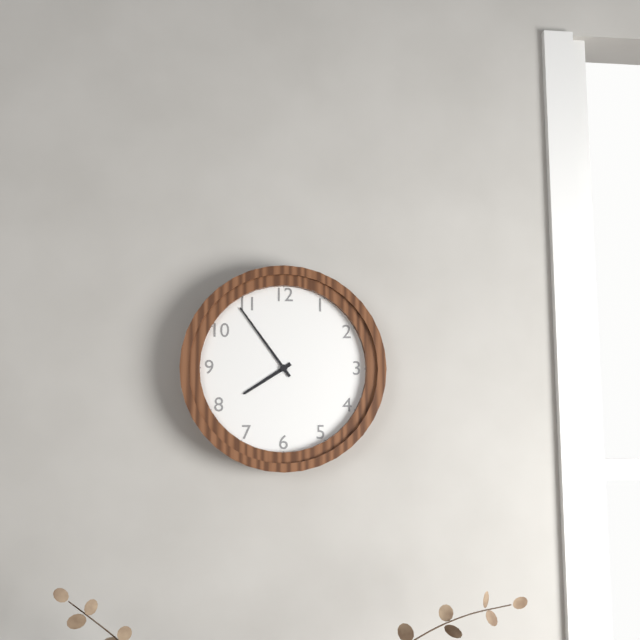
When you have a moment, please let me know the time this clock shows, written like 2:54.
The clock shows 7:54
